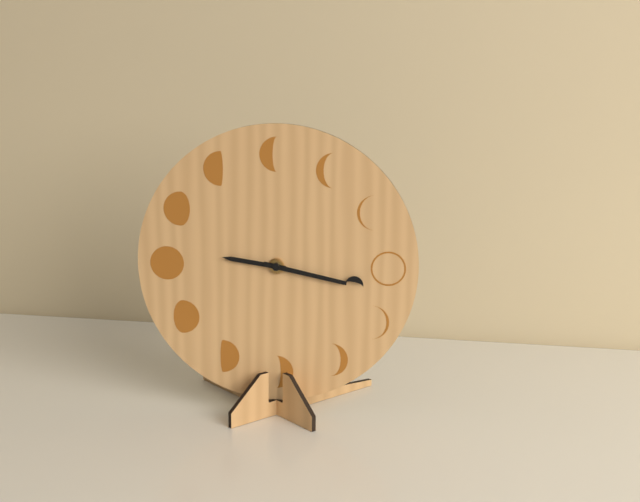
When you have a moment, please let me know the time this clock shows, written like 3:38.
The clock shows 9:17
